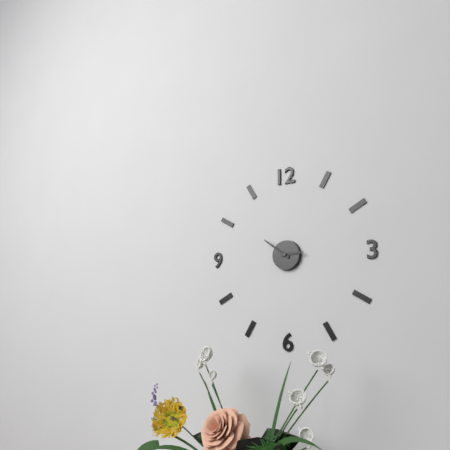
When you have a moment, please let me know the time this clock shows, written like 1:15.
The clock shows 2:51
